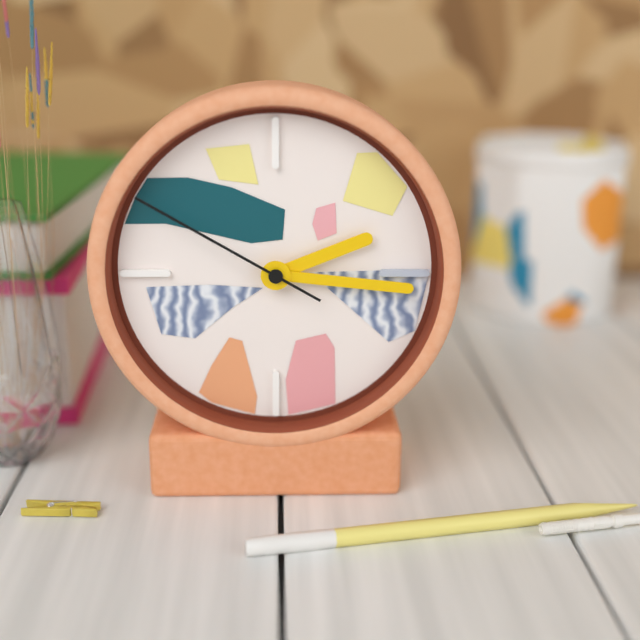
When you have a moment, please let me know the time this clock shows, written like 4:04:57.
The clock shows 2:16:50
